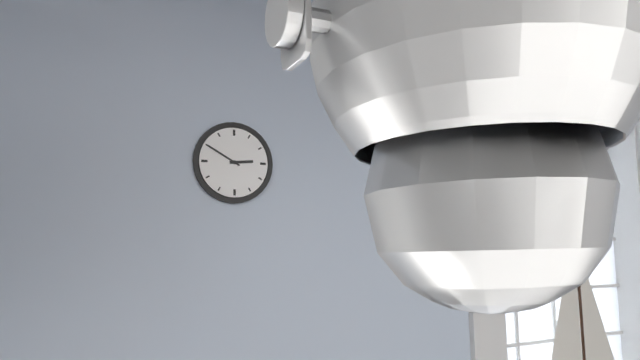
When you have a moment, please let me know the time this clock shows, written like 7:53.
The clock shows 2:50
